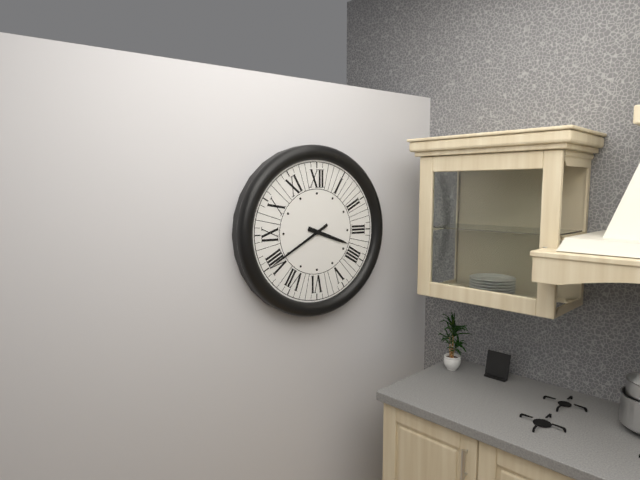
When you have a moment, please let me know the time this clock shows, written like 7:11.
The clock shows 3:40
